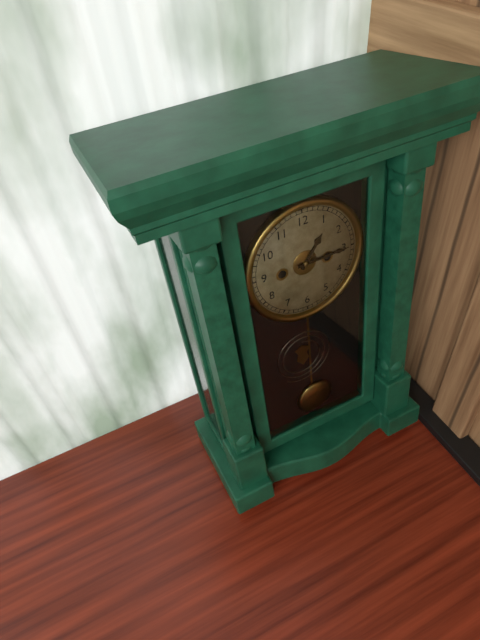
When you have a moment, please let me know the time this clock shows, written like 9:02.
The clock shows 1:15
